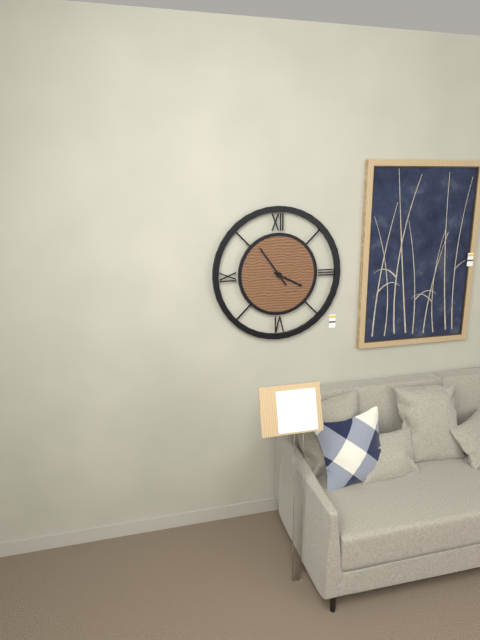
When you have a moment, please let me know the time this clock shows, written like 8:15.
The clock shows 3:54
